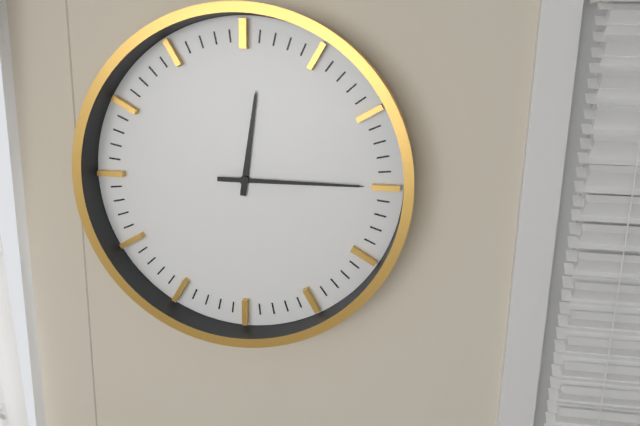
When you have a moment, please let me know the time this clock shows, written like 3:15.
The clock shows 12:15
